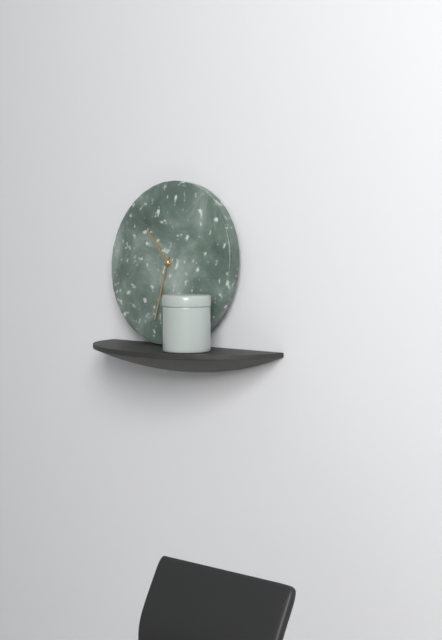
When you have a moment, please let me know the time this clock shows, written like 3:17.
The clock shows 10:32
